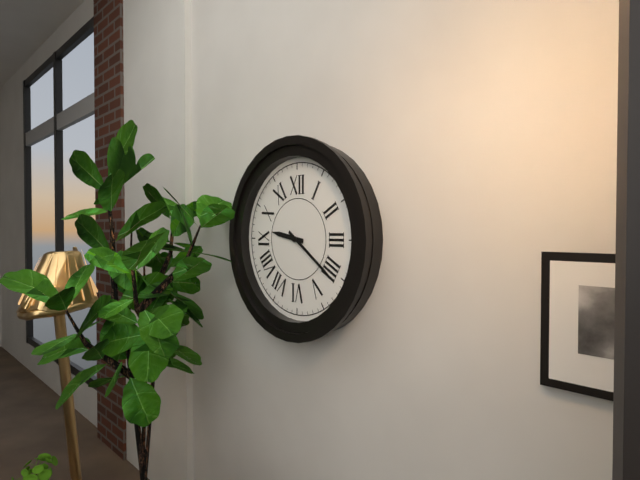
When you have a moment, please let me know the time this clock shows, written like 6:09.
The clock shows 9:21
